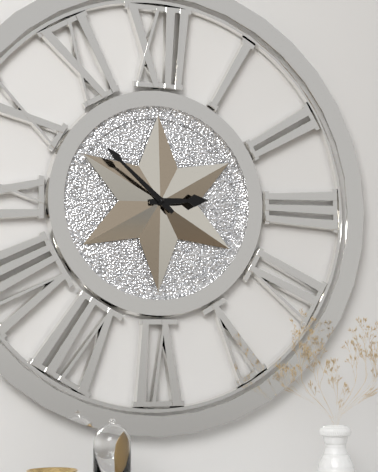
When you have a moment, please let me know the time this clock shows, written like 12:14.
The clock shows 2:52
